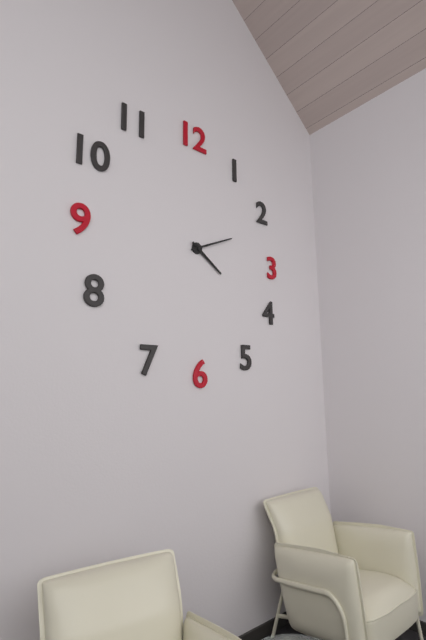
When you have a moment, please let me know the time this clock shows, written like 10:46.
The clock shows 4:11
